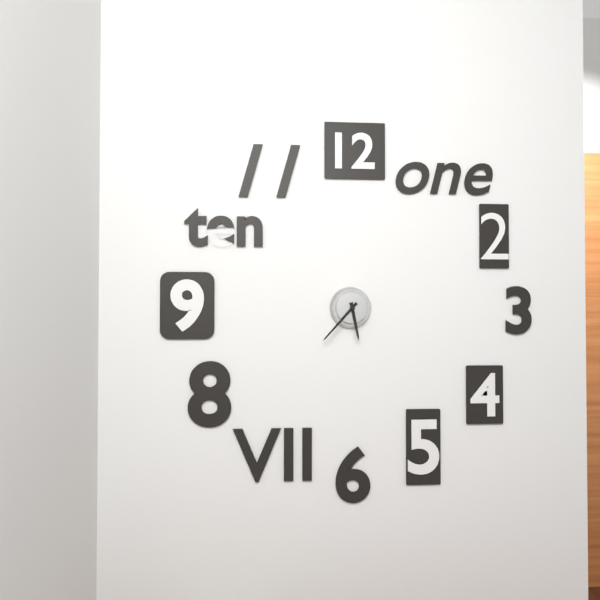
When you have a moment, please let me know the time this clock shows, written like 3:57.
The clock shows 5:37
